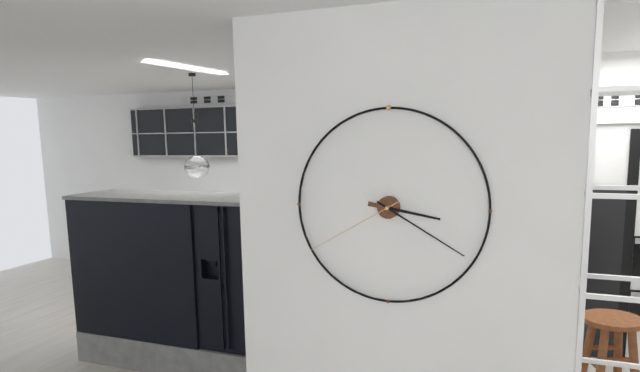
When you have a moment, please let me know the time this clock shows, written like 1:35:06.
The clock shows 3:20:40
